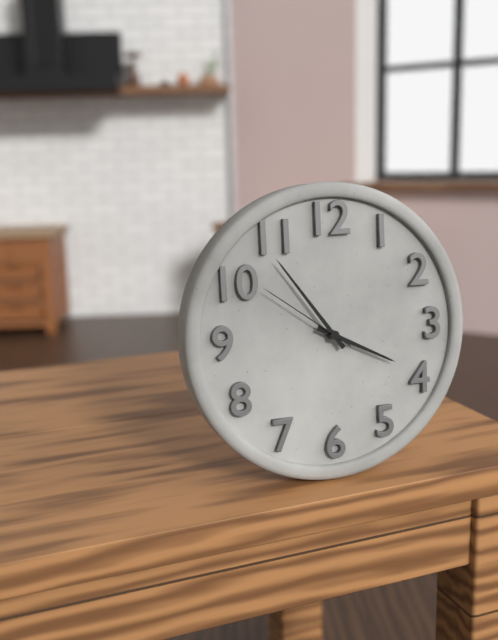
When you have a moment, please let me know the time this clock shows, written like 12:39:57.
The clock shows 3:54:51
